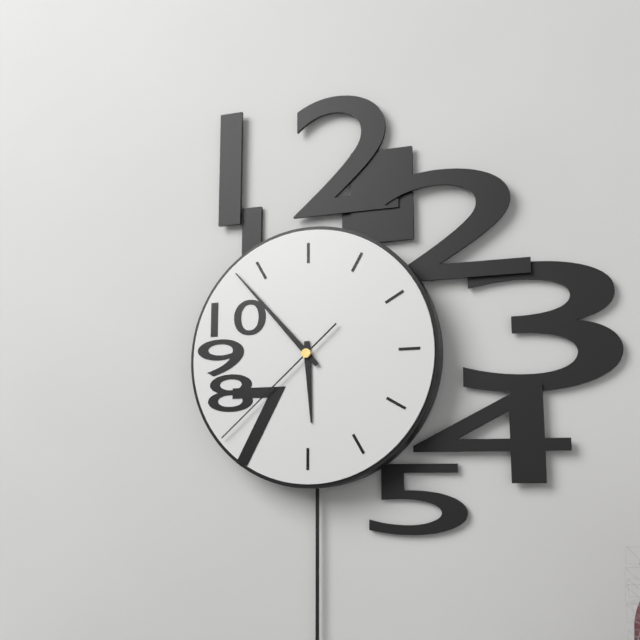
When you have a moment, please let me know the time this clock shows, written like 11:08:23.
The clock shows 5:53:38
